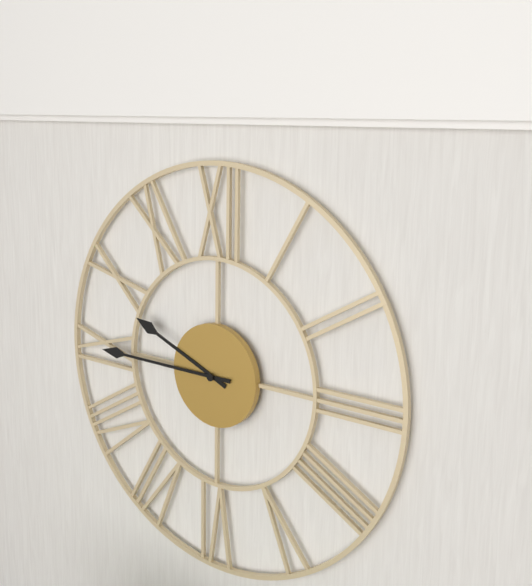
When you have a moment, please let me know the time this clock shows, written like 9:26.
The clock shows 9:45
